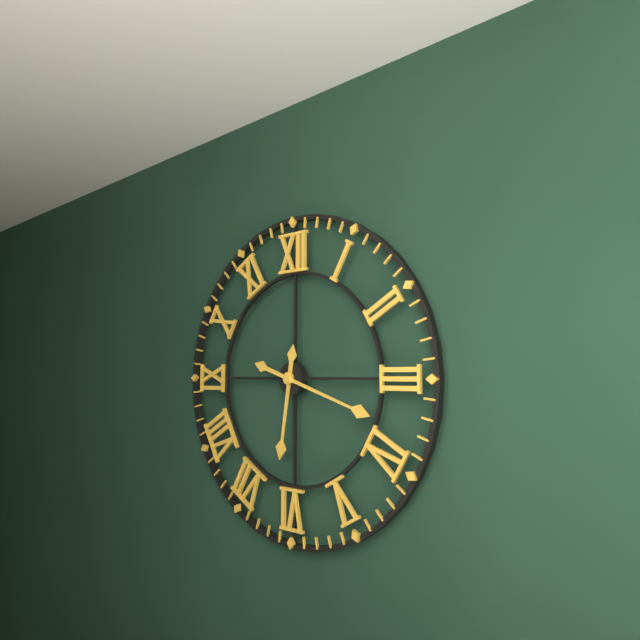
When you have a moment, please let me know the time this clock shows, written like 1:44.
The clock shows 6:18
